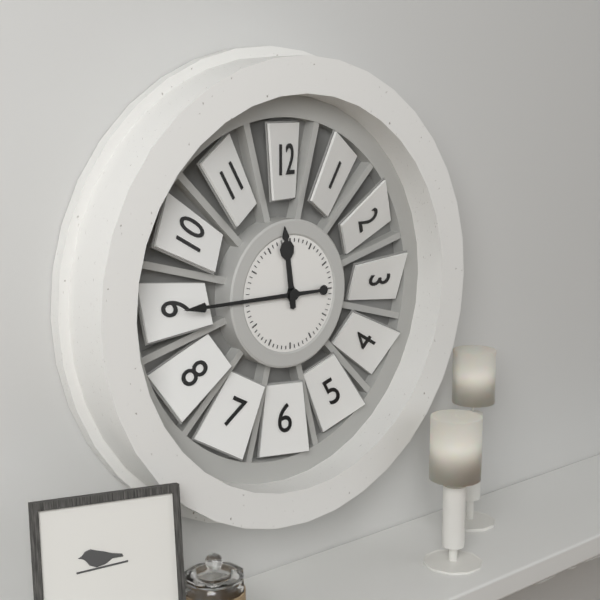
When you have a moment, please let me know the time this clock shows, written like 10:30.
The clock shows 11:45
